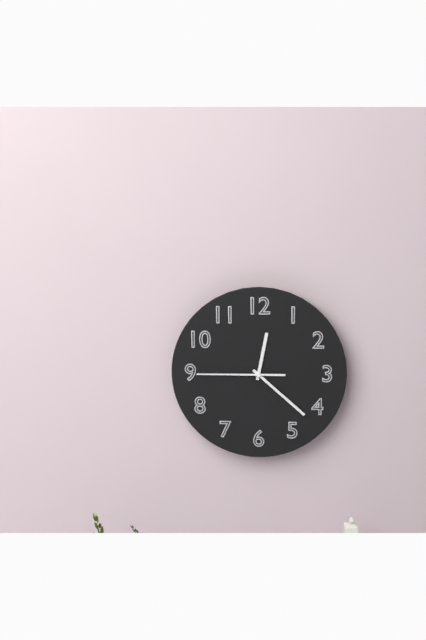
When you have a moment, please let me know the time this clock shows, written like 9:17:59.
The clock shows 12:22:45
